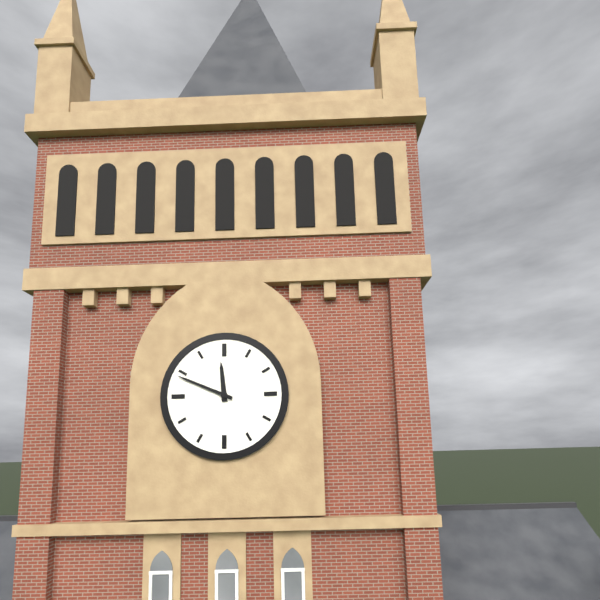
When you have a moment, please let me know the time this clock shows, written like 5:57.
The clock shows 11:49
